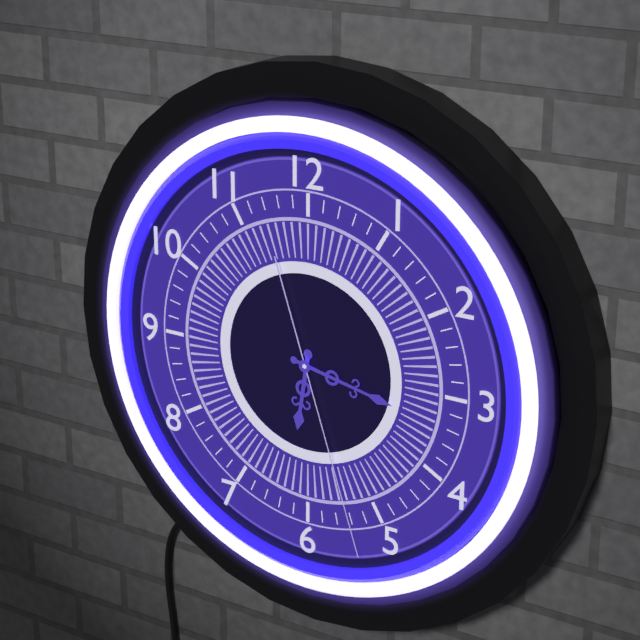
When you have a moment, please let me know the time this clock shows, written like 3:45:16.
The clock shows 6:17:27
